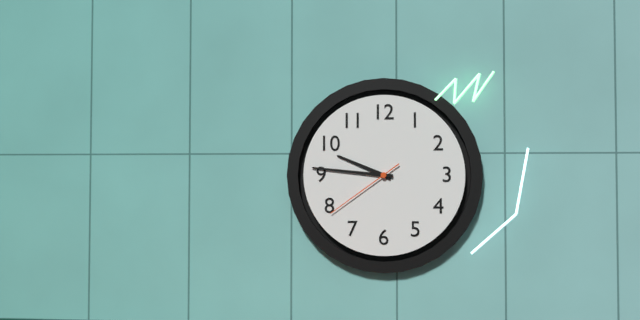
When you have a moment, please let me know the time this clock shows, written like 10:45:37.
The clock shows 9:46:39
